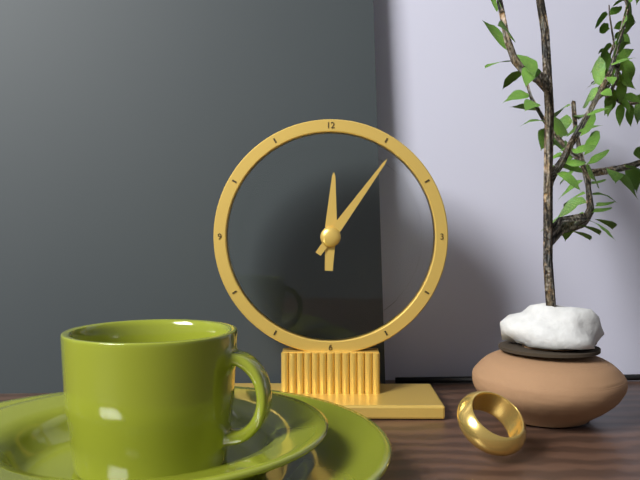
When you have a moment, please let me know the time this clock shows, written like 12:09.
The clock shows 12:06
